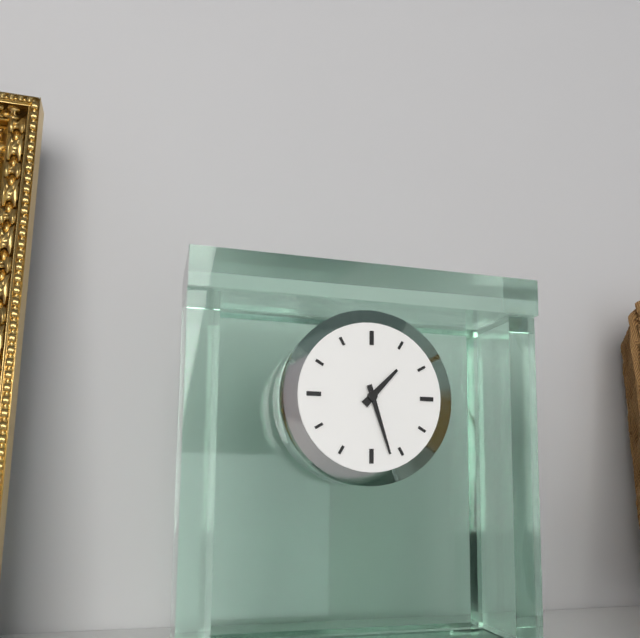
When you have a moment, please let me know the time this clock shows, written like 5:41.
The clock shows 1:27
